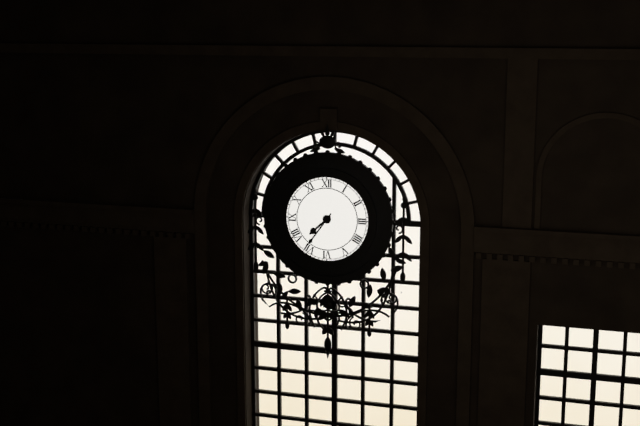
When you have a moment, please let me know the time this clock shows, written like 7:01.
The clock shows 7:36
